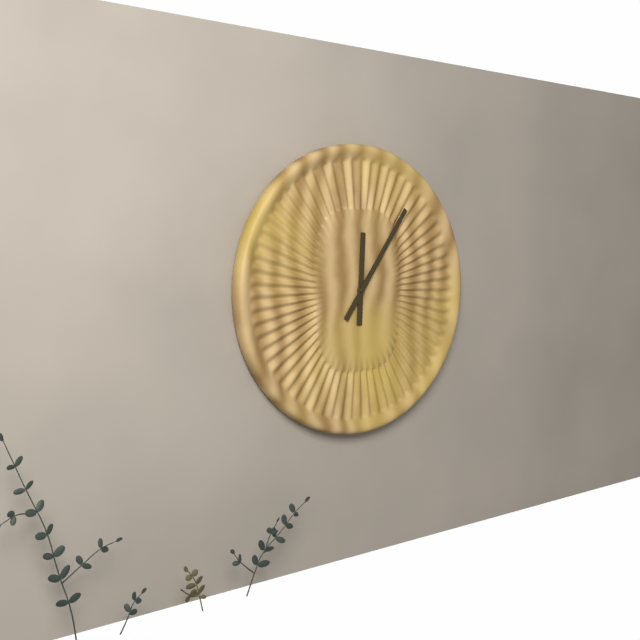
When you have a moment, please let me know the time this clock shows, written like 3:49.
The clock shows 12:06
